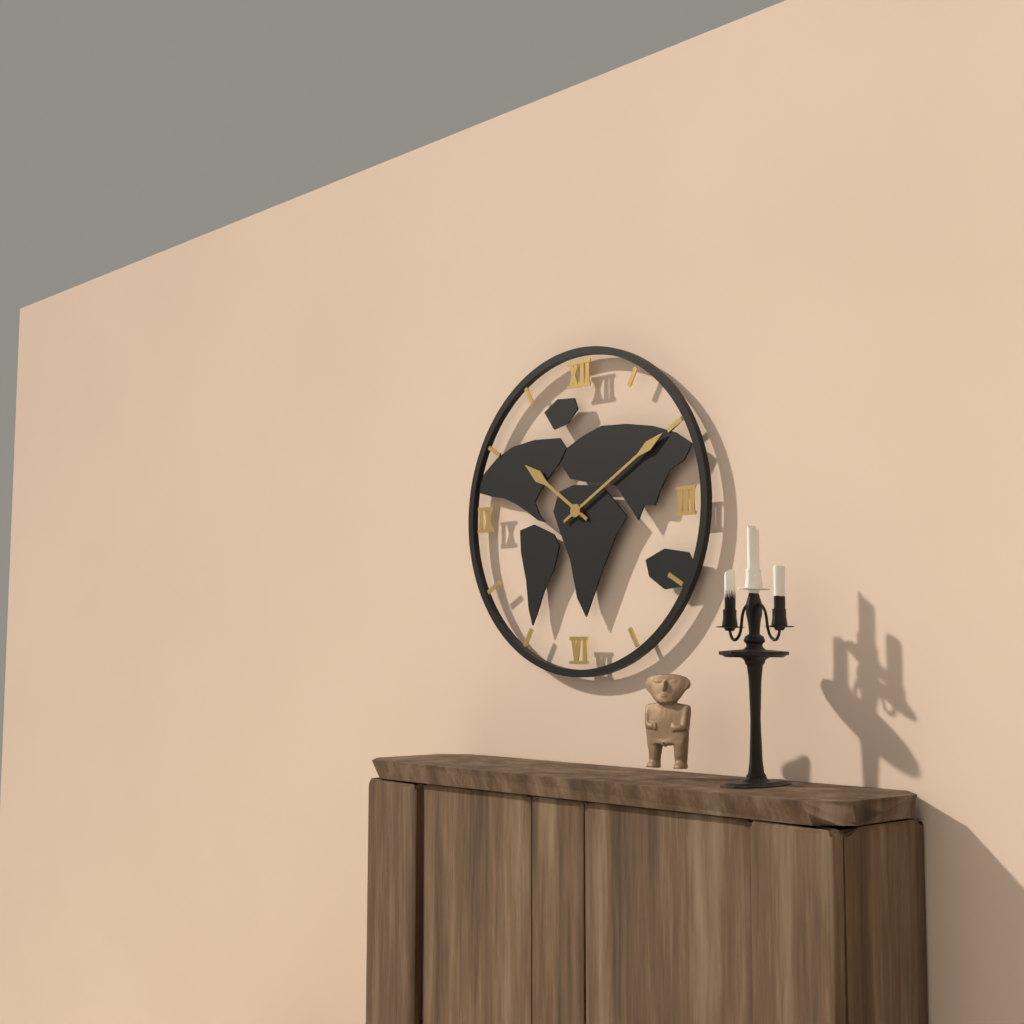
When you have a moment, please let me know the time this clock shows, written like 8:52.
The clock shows 10:10
